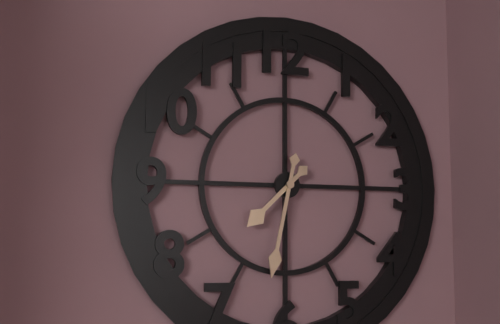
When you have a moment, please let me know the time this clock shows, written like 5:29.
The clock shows 7:32
